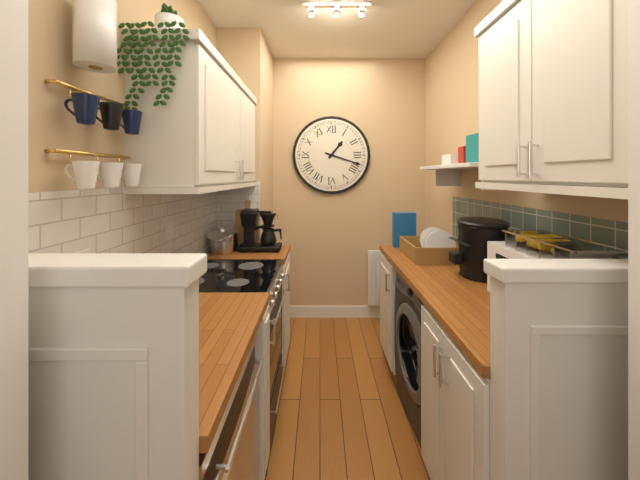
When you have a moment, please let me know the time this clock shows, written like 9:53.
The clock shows 1:18
